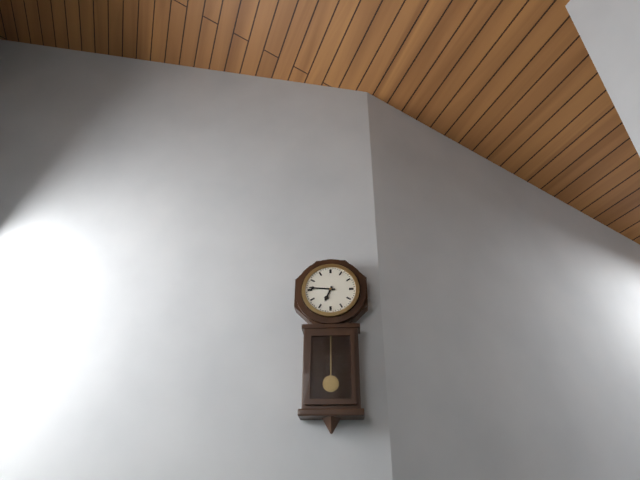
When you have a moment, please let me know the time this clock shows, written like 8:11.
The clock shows 6:46
